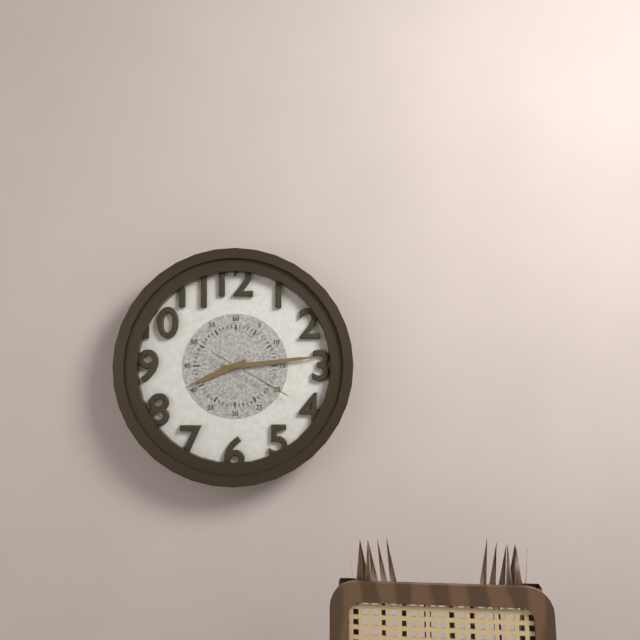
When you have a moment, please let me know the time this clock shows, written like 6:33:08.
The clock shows 8:14:20
